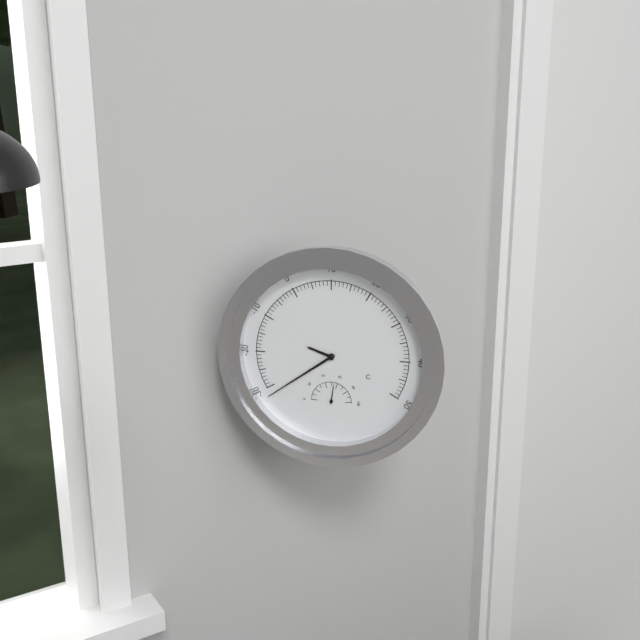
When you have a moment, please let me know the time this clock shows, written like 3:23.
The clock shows 9:39
